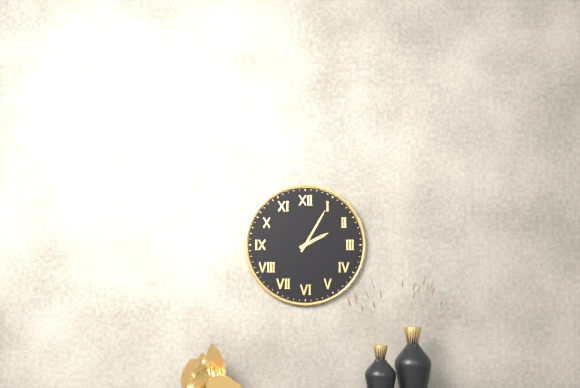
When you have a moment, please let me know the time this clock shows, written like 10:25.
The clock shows 2:05
